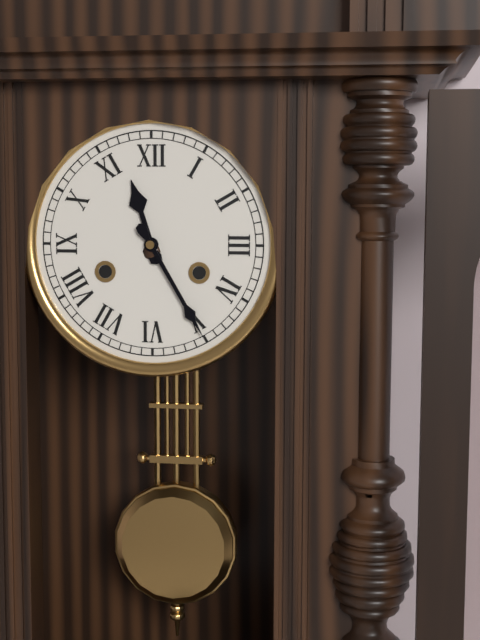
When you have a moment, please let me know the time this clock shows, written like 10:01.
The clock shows 11:25
